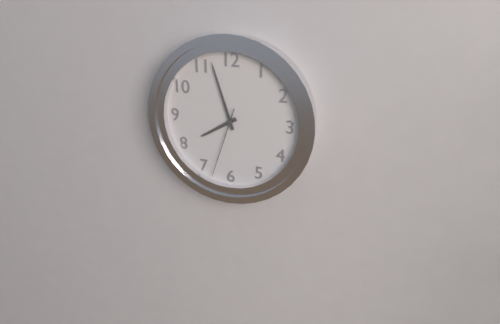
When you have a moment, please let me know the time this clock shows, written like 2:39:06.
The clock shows 7:57:33
